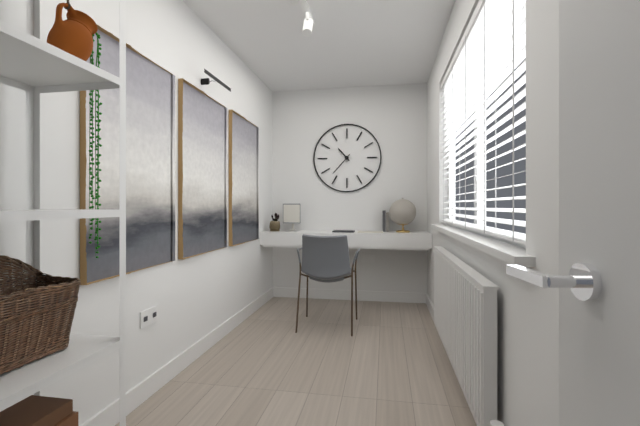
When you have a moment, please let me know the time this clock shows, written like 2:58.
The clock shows 10:37
